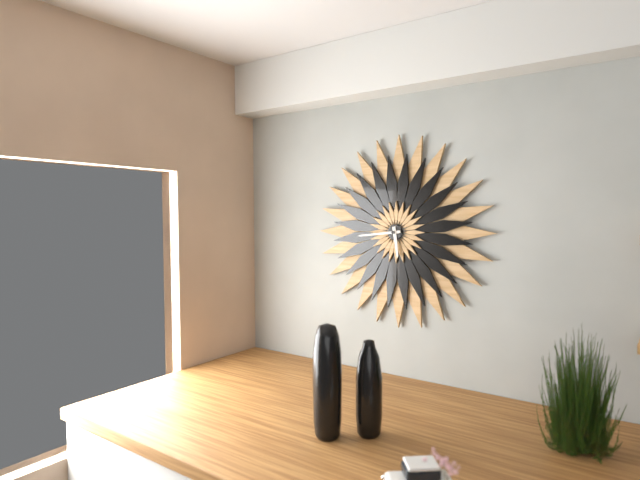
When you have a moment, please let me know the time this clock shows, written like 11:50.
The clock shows 5:44
